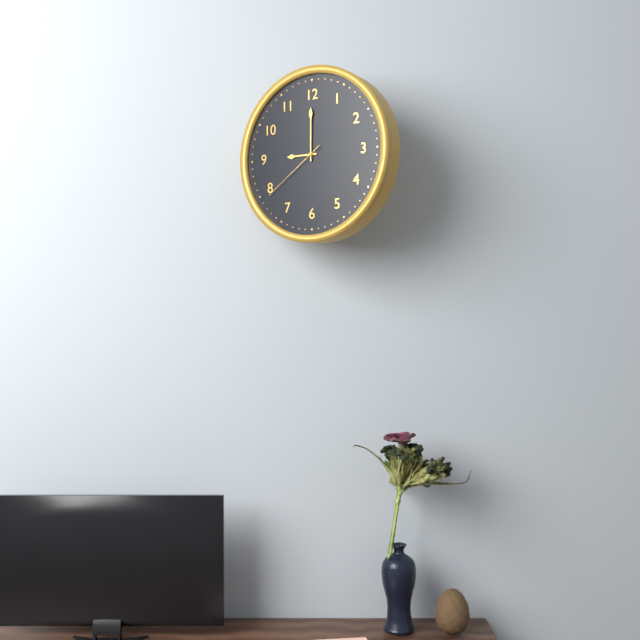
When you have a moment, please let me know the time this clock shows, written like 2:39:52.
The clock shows 9:00:39
